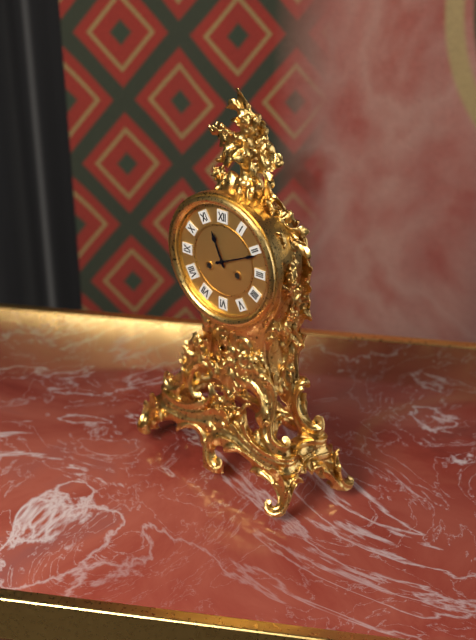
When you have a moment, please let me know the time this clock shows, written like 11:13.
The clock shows 11:11
